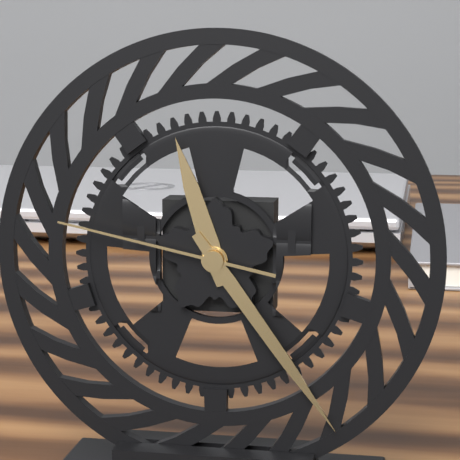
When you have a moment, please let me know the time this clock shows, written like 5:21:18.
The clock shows 11:24:47
